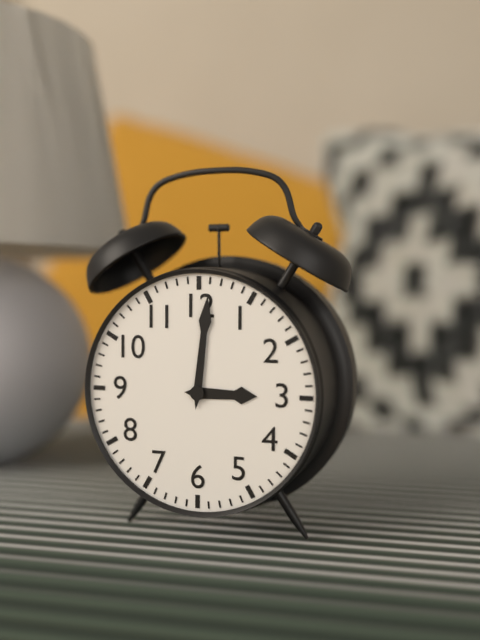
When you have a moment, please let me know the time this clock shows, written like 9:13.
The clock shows 3:01
